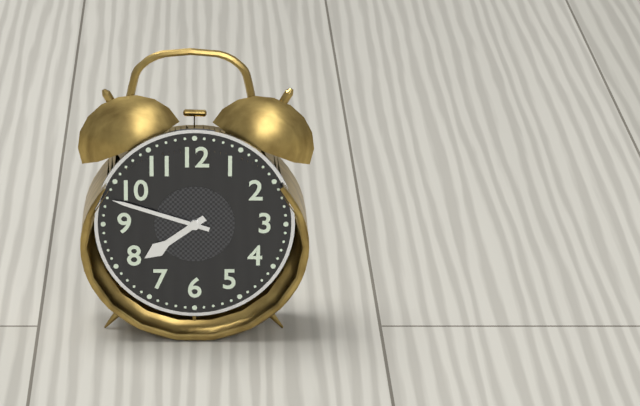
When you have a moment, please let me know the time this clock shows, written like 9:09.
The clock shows 7:48
